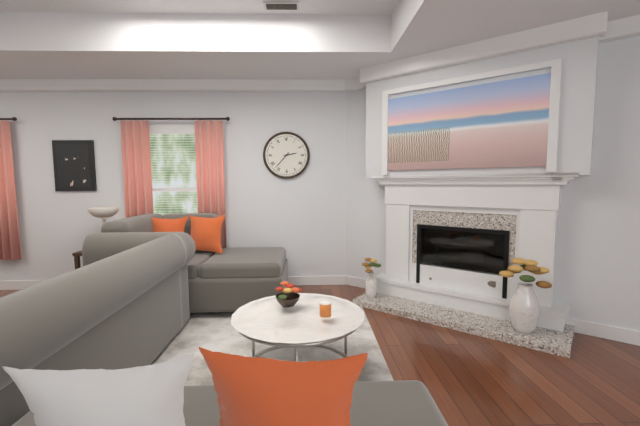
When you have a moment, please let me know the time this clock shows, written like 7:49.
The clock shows 2:37
